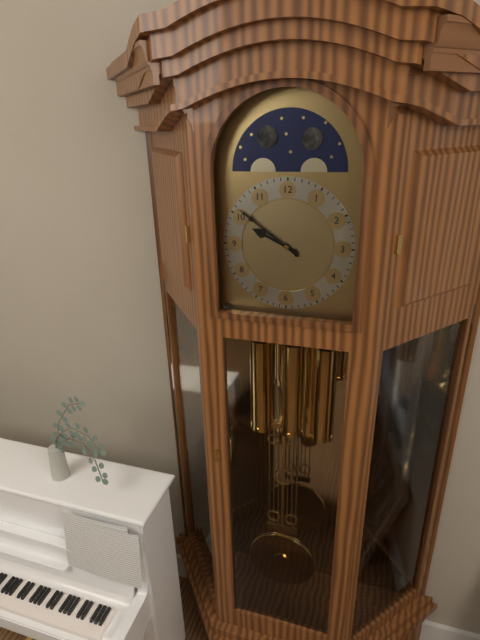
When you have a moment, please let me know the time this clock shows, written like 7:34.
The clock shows 9:51
